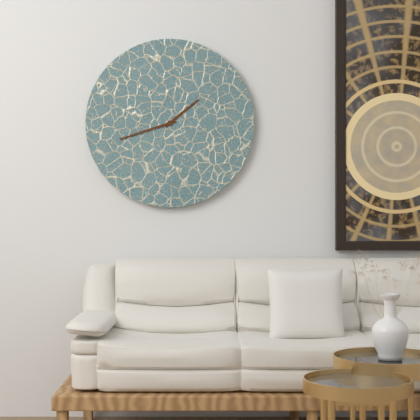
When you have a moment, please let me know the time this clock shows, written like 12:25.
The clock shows 1:42
